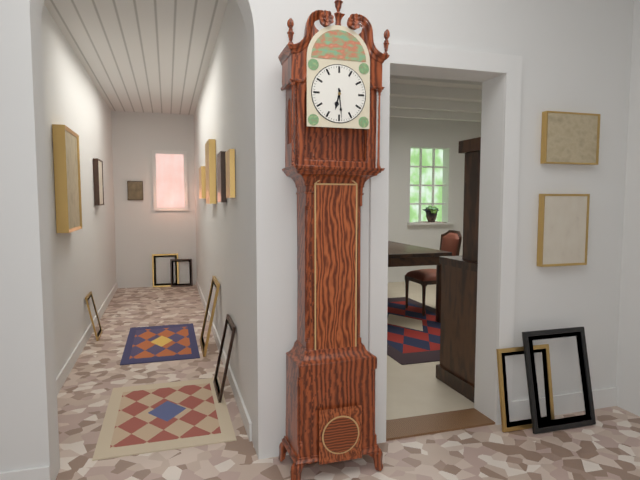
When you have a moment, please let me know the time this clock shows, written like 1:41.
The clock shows 6:29
